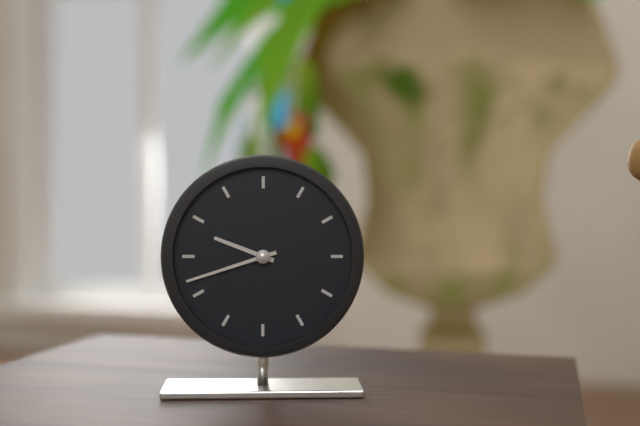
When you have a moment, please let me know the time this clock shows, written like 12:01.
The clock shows 9:42
